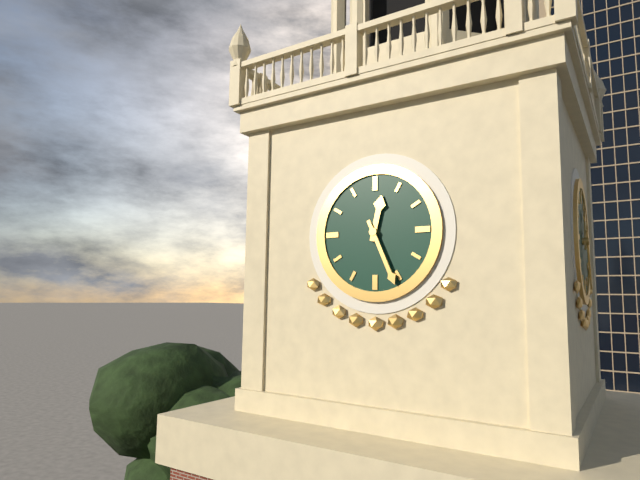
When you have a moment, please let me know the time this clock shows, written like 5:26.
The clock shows 12:26
